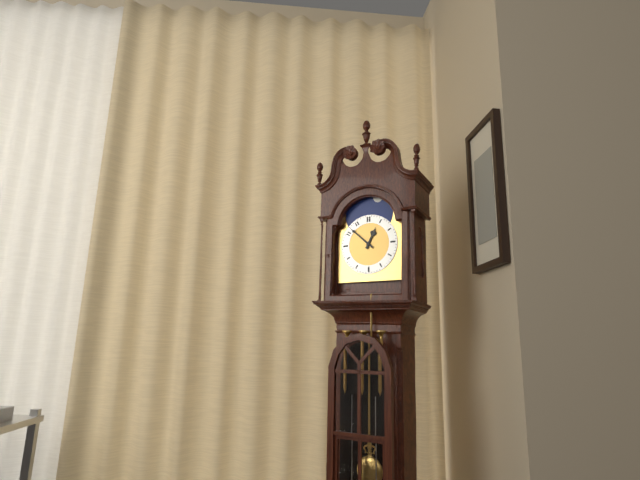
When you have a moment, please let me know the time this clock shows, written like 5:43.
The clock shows 12:52
